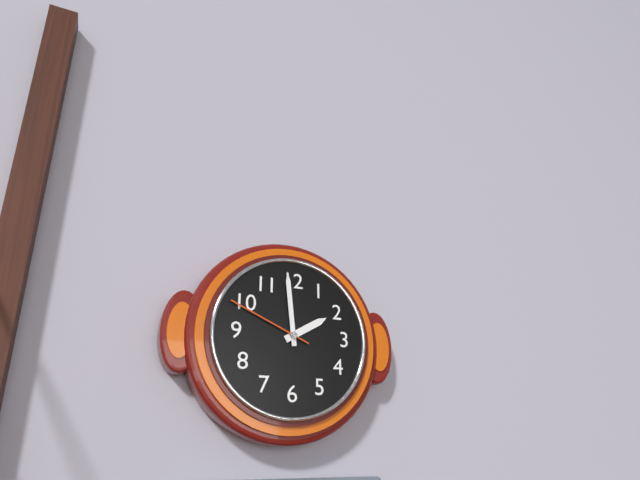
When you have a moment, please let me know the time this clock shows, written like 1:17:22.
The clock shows 1:59:49
